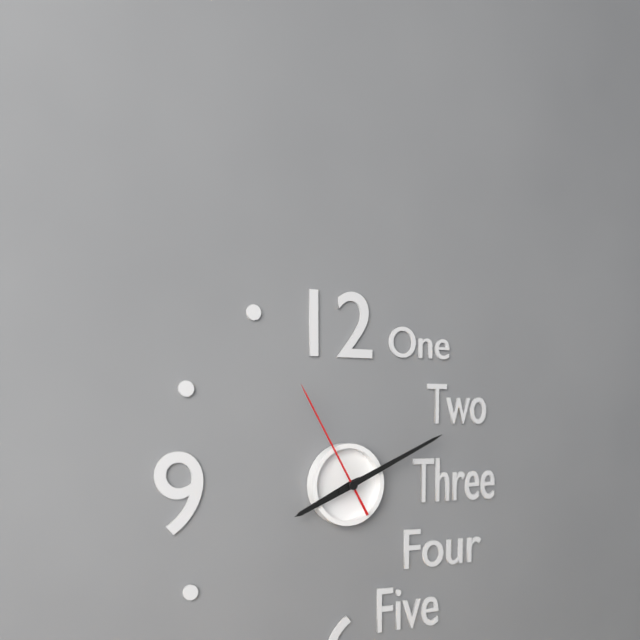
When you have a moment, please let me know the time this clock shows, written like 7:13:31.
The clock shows 8:11:55
